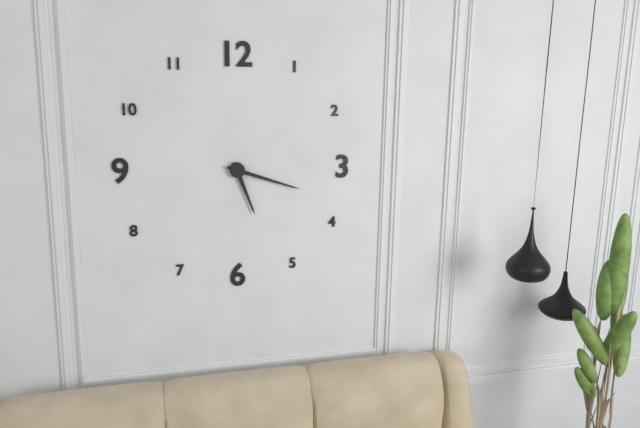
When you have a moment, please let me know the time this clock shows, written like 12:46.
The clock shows 5:18
